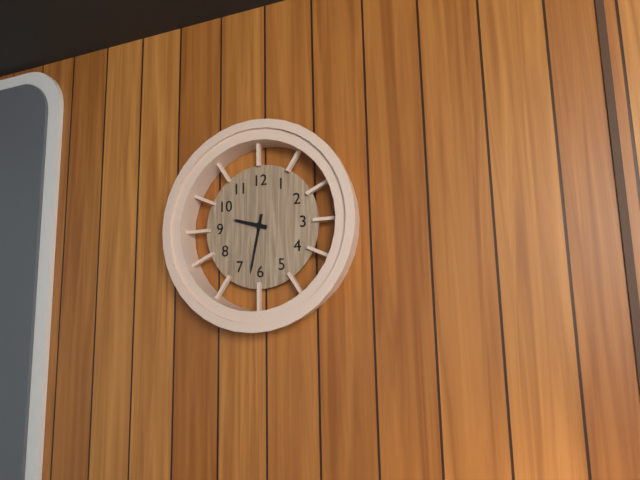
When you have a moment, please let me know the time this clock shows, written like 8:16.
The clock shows 9:32
